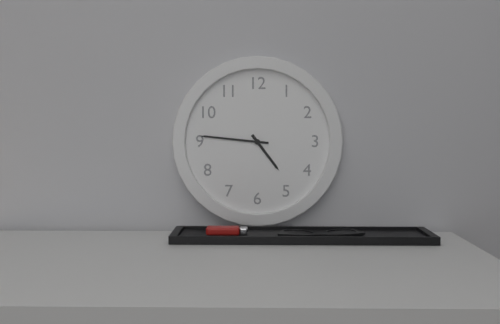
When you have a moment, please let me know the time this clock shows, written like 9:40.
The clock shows 4:46
